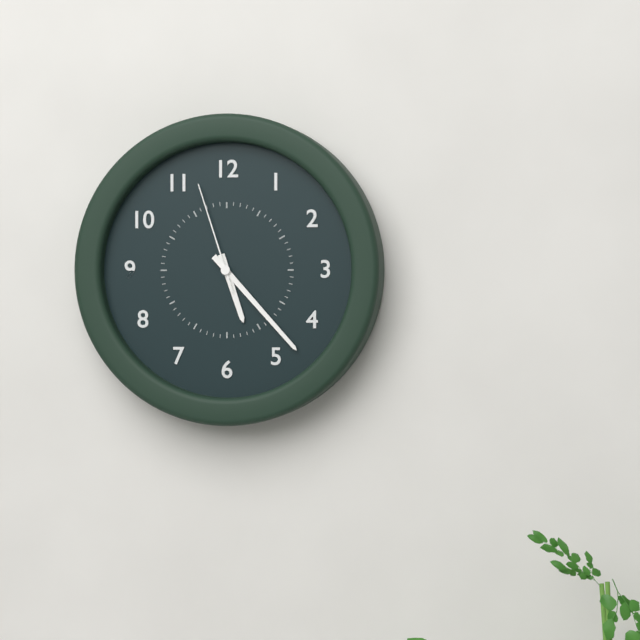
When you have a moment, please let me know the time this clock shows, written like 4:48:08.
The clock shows 5:23:57
